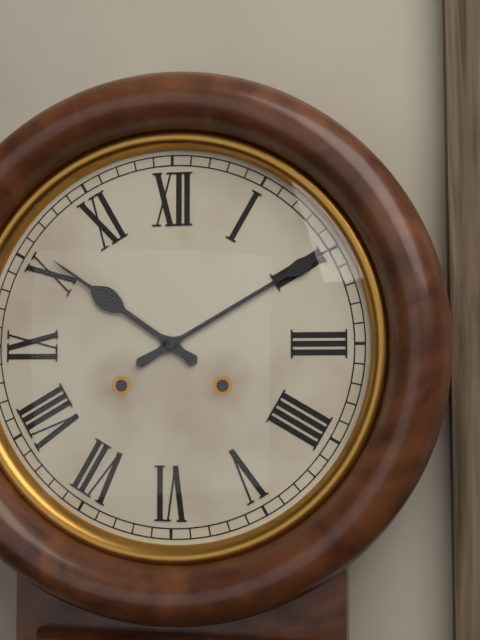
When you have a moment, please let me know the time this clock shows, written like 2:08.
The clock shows 10:10
